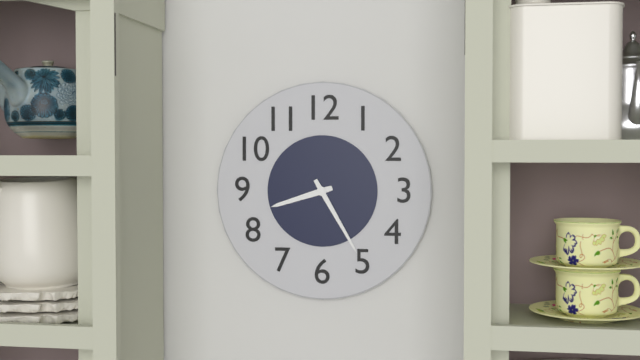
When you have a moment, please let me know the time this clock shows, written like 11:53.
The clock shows 8:25
